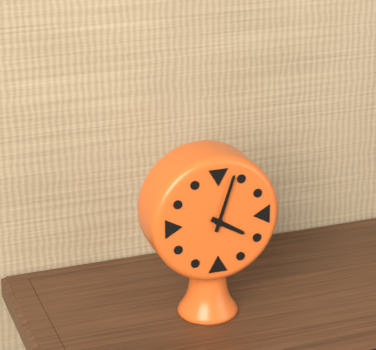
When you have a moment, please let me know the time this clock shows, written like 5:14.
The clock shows 4:03
